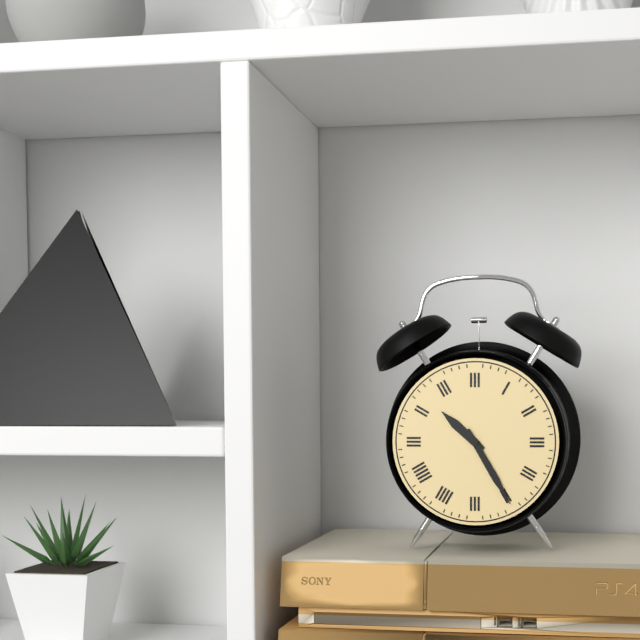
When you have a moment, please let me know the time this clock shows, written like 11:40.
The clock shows 10:25
